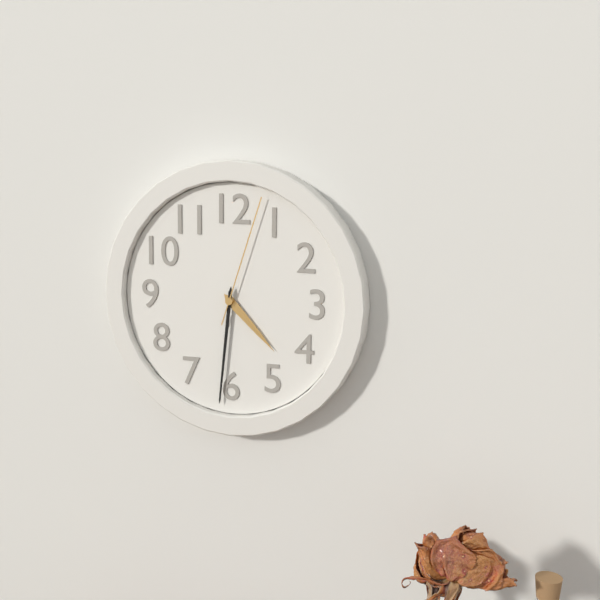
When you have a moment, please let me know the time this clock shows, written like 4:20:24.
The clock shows 4:31:03
